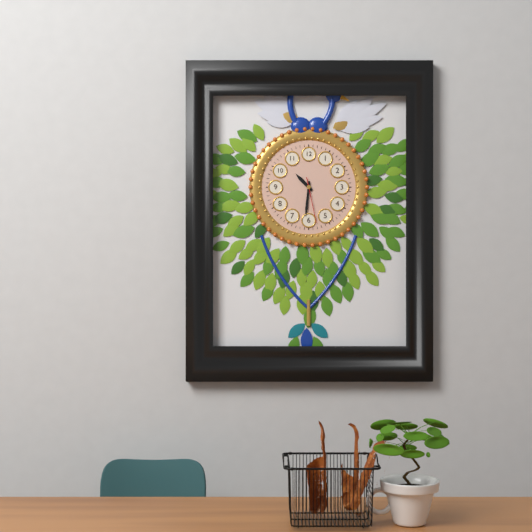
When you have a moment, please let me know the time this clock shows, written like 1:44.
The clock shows 10:31
